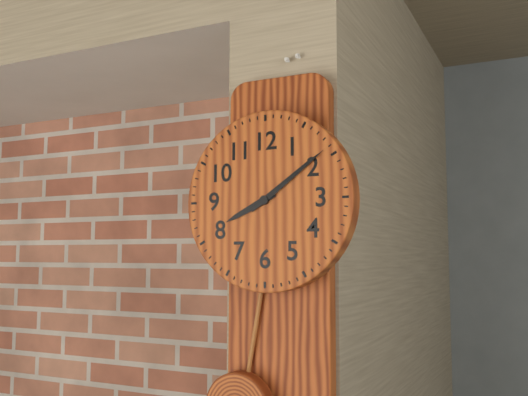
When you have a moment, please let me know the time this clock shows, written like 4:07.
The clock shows 8:09
